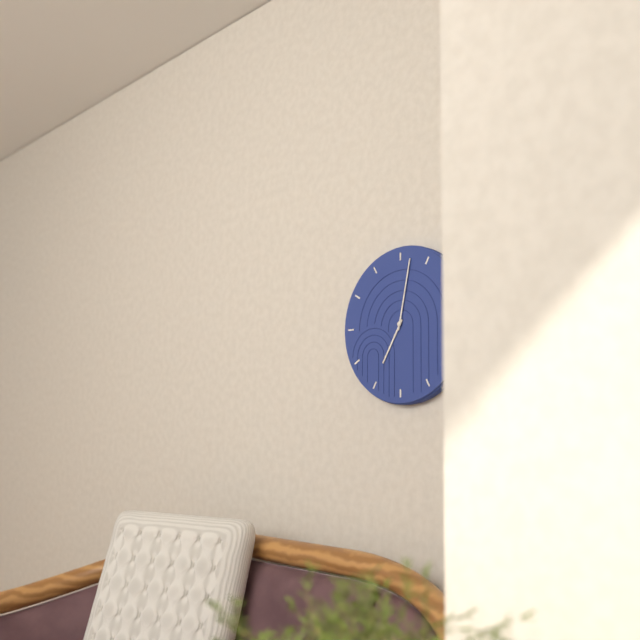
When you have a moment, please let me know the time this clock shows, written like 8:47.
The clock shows 7:02
